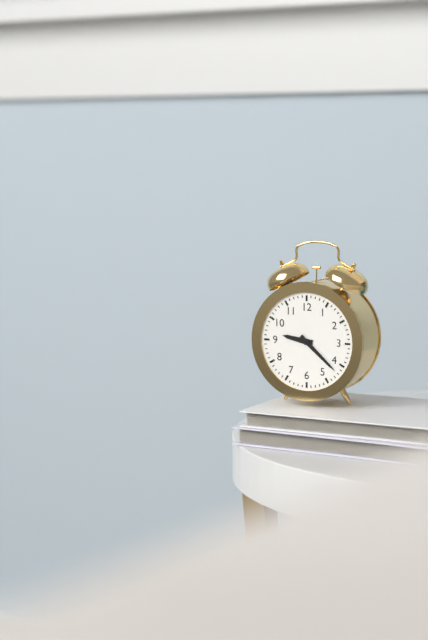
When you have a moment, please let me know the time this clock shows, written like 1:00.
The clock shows 9:22
